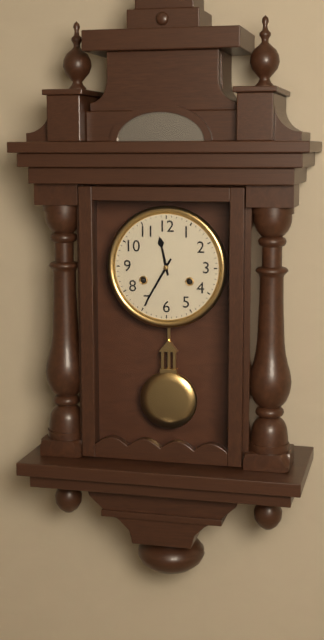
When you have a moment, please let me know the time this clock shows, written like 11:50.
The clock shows 11:35
